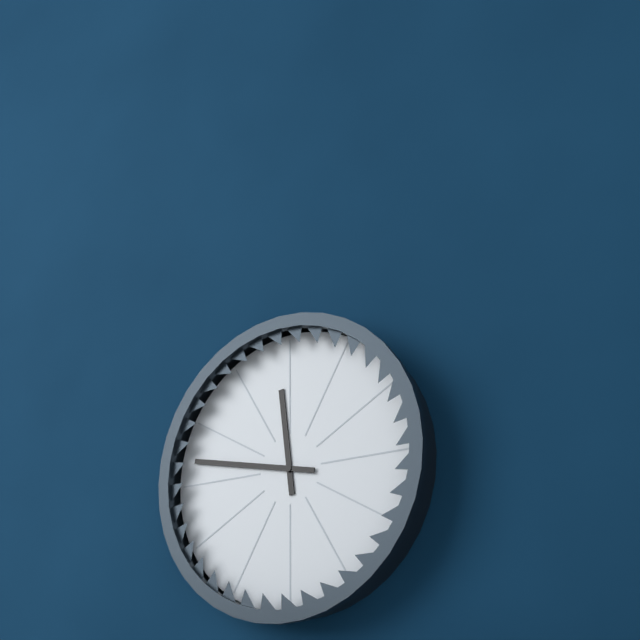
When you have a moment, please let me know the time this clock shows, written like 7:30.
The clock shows 11:47
